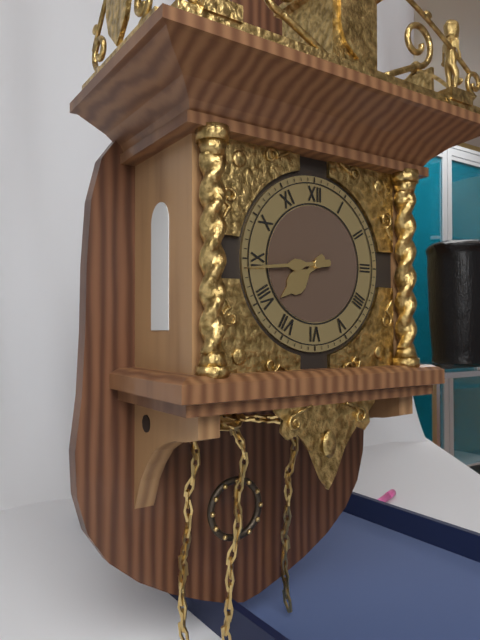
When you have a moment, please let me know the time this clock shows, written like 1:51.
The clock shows 7:44
